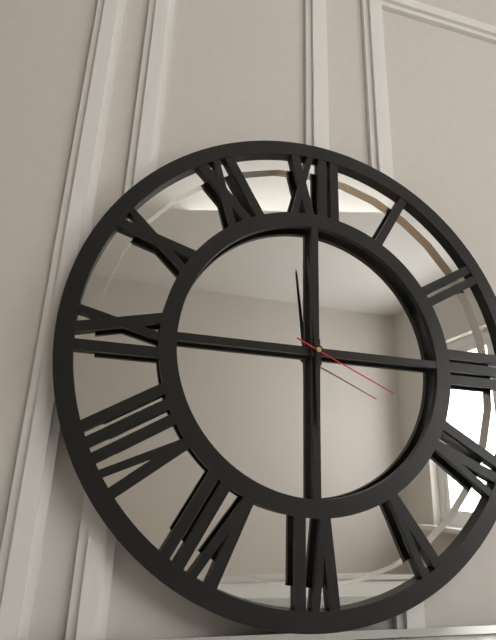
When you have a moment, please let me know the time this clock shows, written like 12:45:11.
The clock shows 5:59:19
